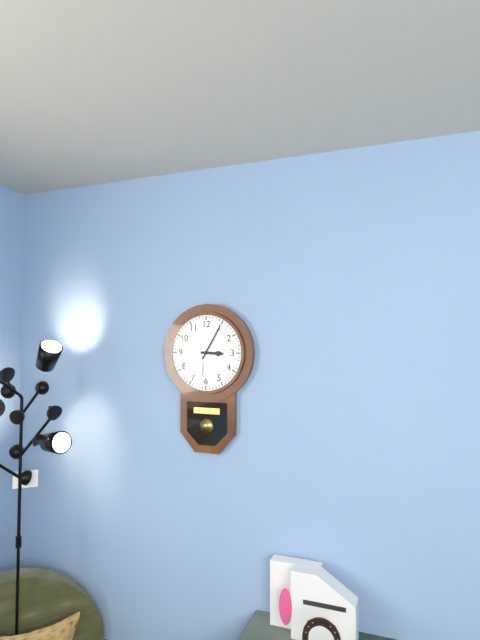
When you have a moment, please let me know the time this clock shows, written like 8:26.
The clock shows 3:05
